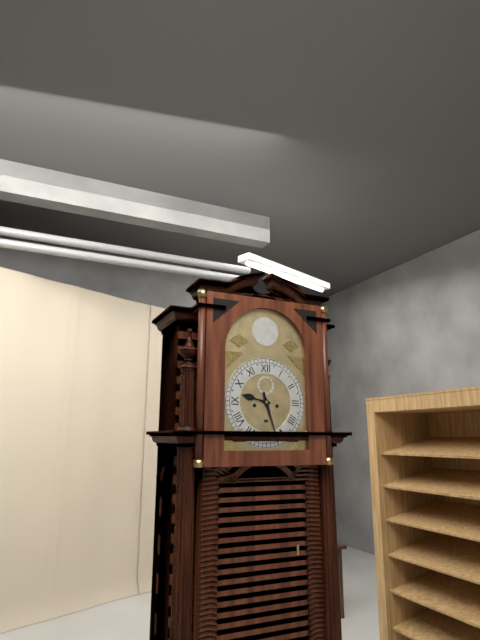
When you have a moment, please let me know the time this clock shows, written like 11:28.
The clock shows 9:27
